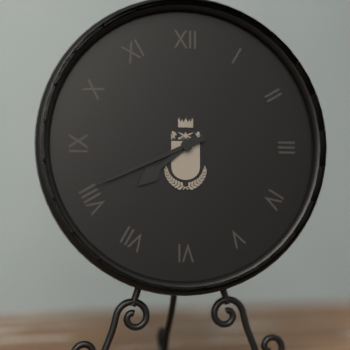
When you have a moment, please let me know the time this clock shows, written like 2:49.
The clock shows 7:41
